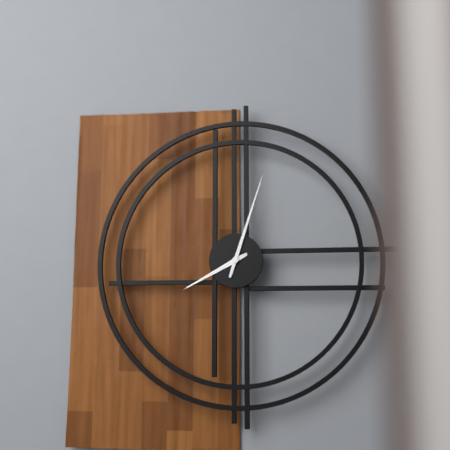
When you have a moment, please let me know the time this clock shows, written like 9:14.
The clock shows 8:03
